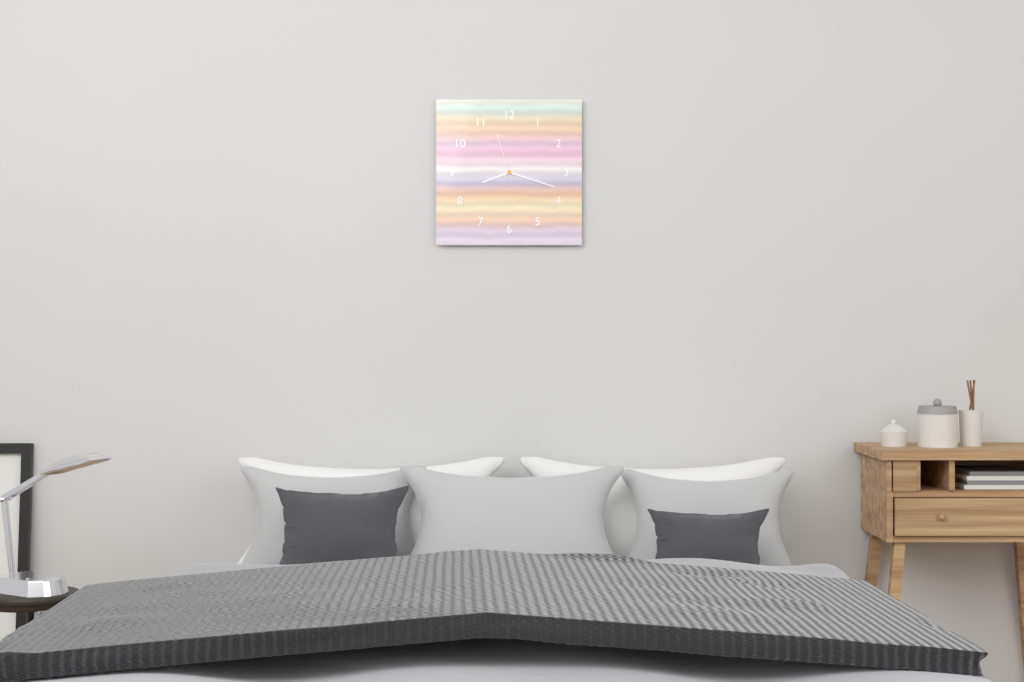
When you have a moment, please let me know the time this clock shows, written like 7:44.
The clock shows 8:18
